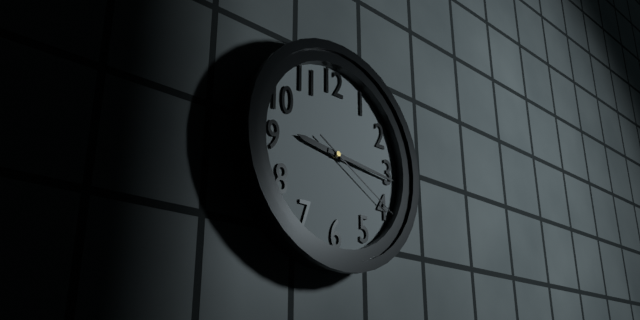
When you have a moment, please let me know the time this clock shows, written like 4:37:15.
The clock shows 9:16:20
